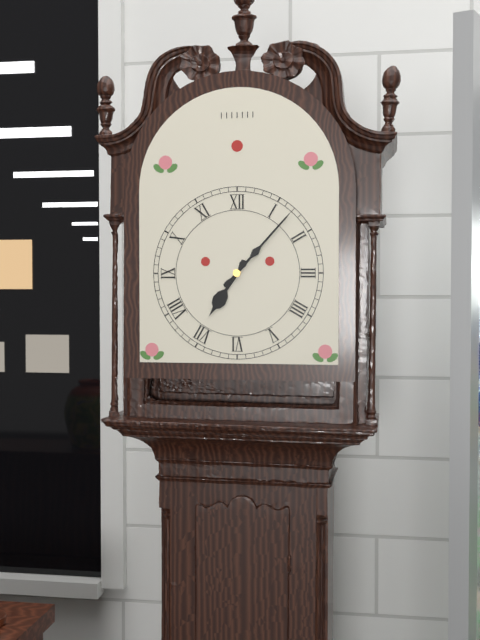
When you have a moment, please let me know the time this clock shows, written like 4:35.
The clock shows 7:07
